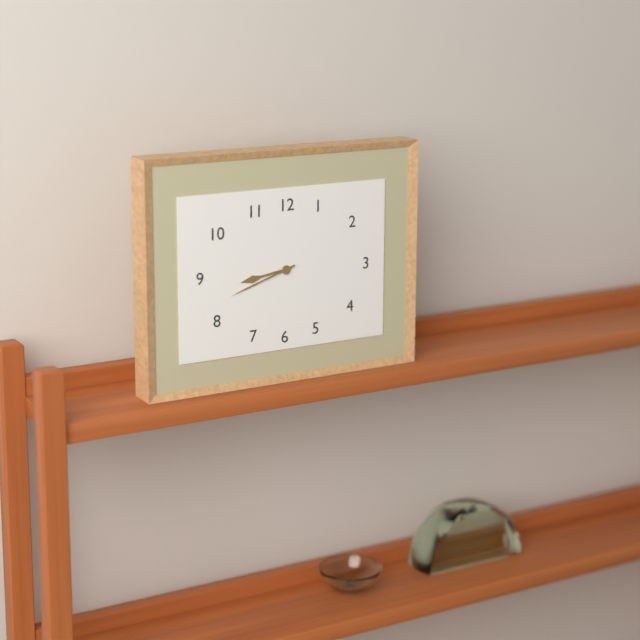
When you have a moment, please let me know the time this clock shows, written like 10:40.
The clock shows 8:42
